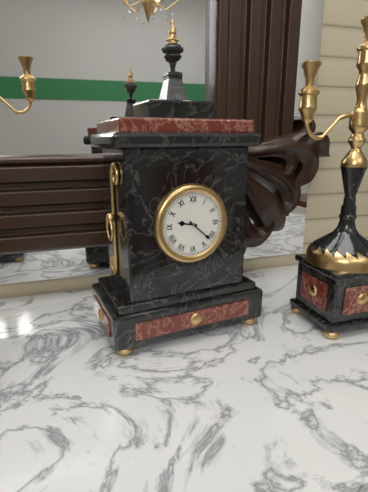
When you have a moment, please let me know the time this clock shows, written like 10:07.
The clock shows 9:22
